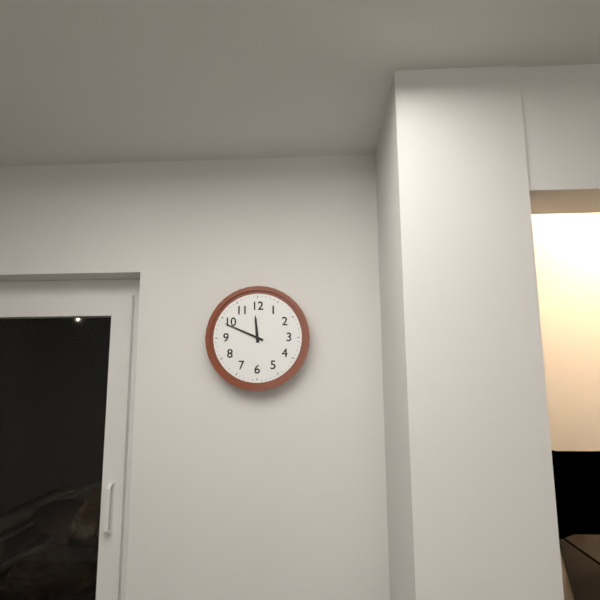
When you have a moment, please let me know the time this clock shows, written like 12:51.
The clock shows 11:49
